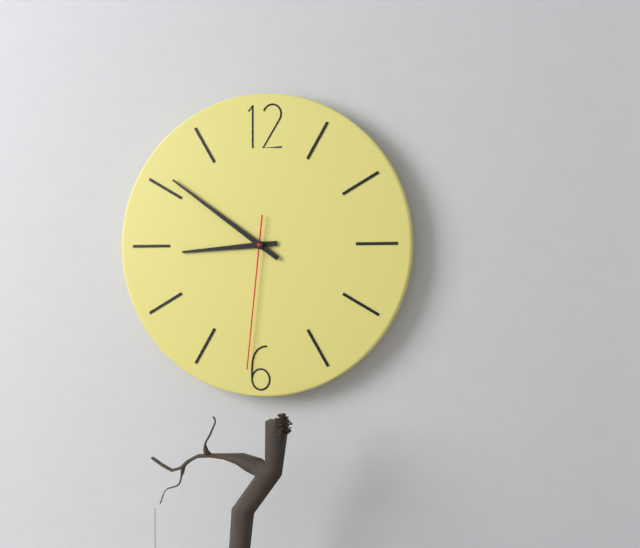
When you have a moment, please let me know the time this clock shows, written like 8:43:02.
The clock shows 8:51:31
